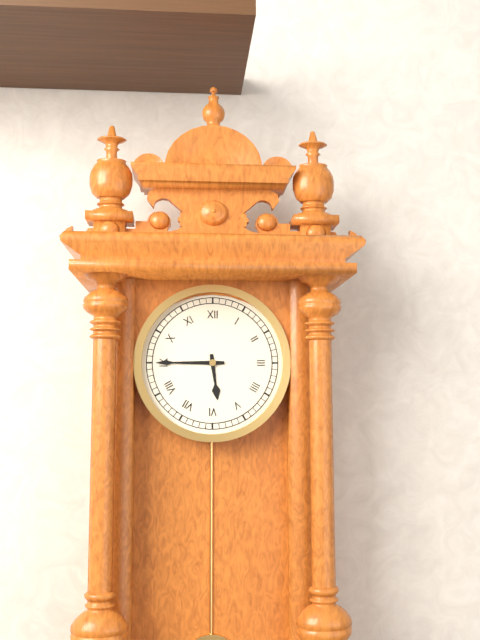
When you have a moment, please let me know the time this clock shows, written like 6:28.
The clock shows 5:45
